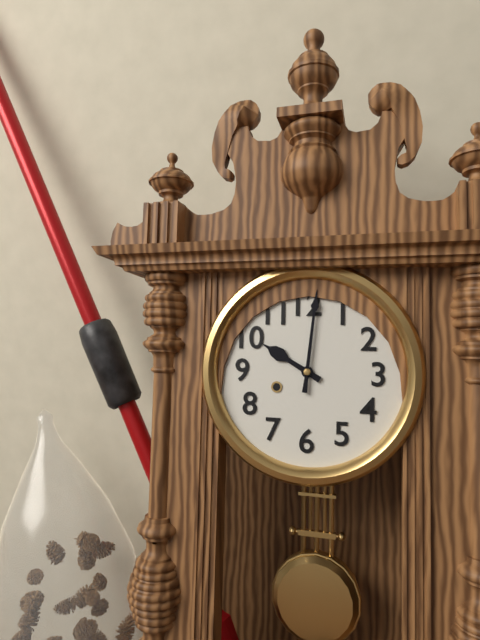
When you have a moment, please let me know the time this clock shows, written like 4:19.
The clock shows 10:01
